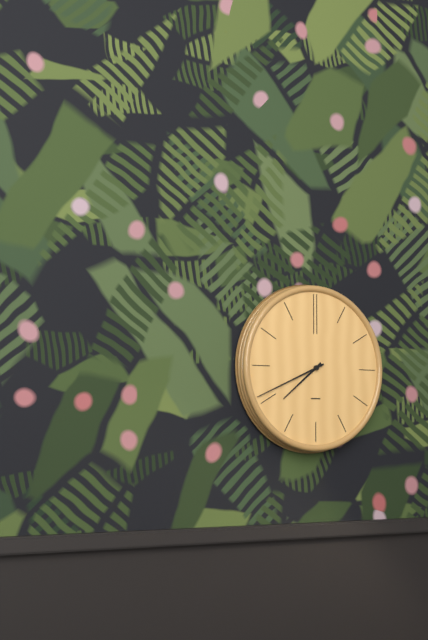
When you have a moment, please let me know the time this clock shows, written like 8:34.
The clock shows 7:41
